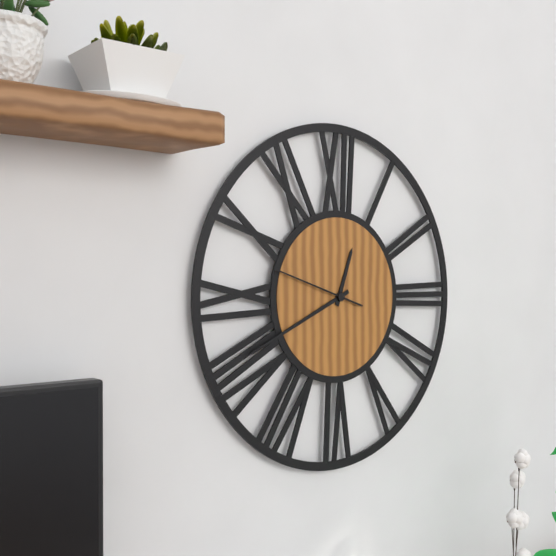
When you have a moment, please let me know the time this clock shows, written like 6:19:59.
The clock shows 12:41:48
